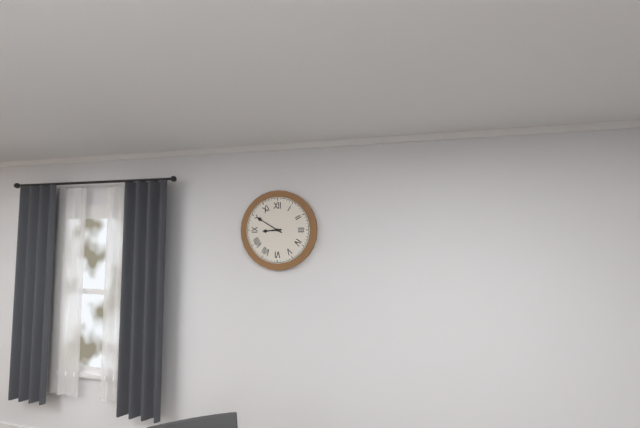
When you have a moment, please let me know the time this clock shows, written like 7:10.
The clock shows 8:50
